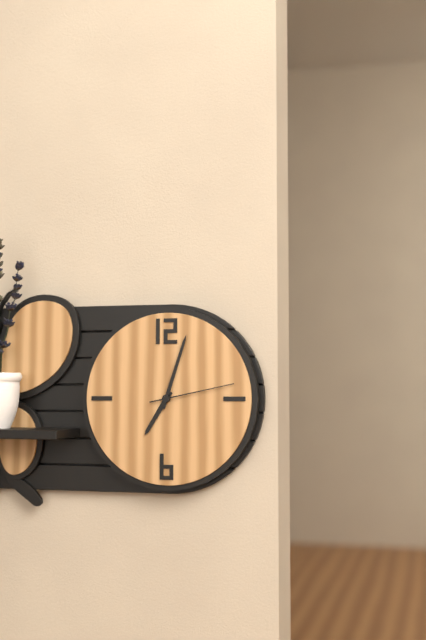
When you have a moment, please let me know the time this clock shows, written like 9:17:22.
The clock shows 7:03:13
